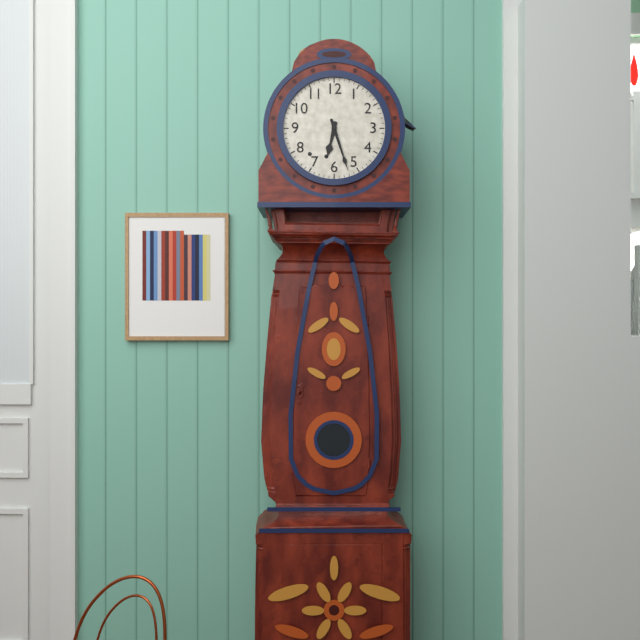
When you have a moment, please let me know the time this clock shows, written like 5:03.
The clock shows 6:27
